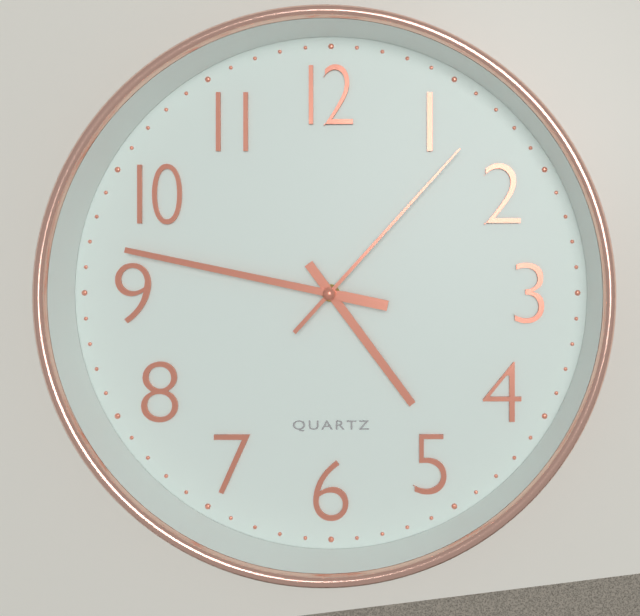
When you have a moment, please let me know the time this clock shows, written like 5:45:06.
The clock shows 4:47:07
